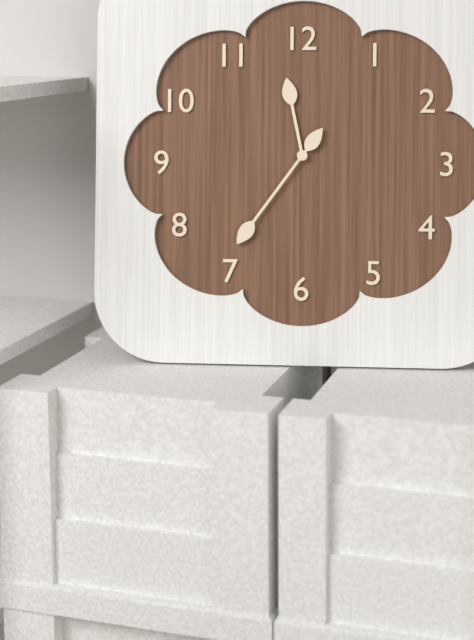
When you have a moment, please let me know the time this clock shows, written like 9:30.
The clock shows 11:36
